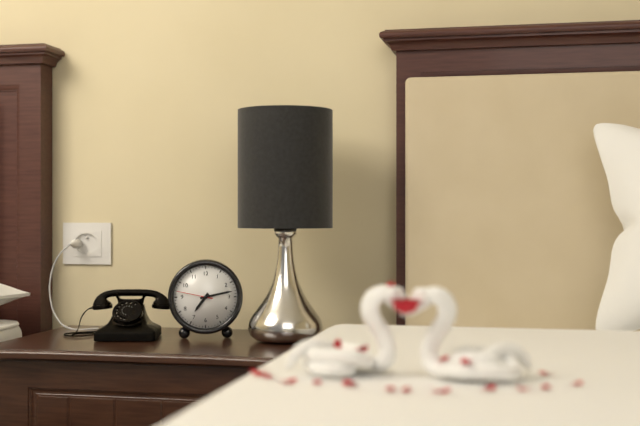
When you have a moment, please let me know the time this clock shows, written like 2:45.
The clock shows 7:13
